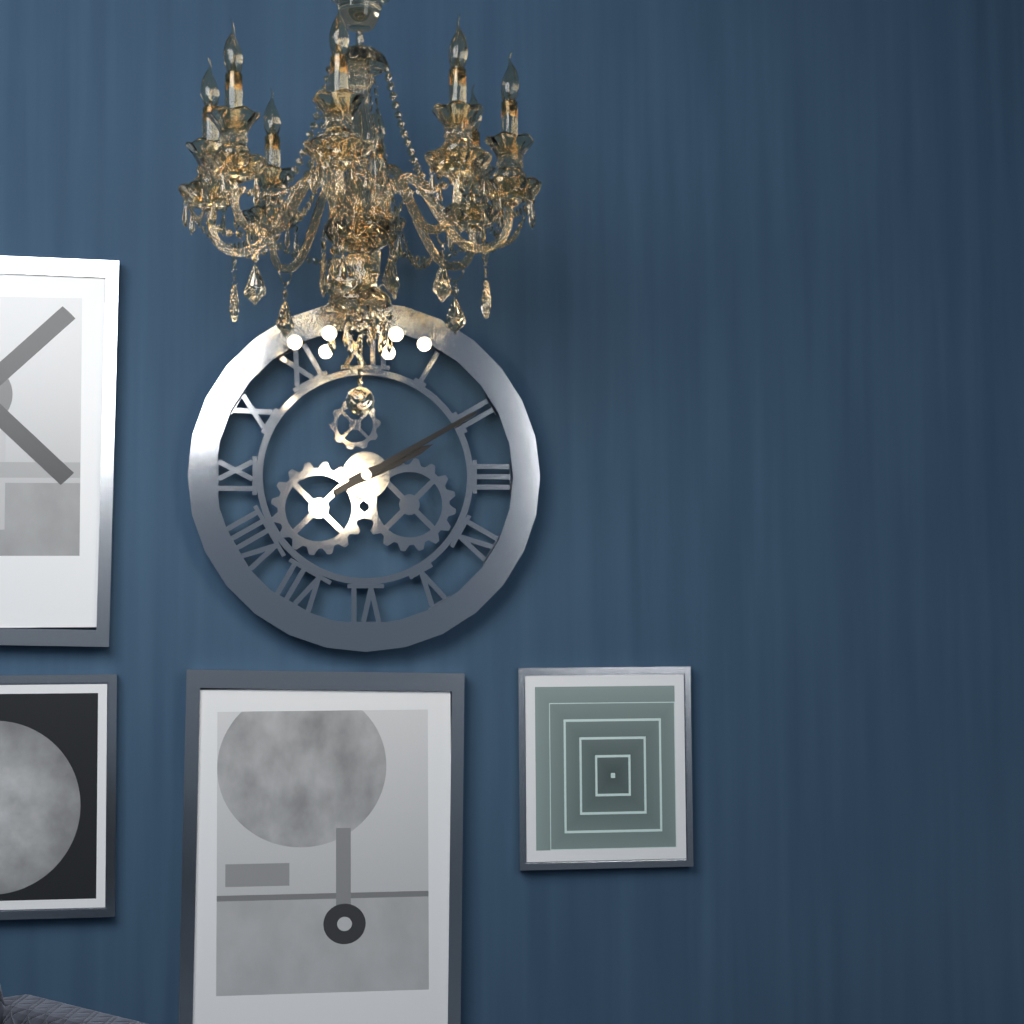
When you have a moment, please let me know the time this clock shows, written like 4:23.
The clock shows 2:10
